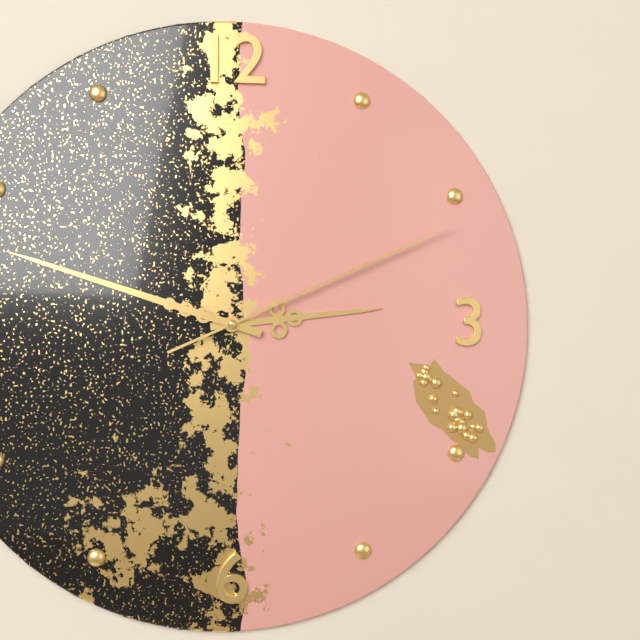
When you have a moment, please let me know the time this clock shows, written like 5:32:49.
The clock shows 2:48:11
